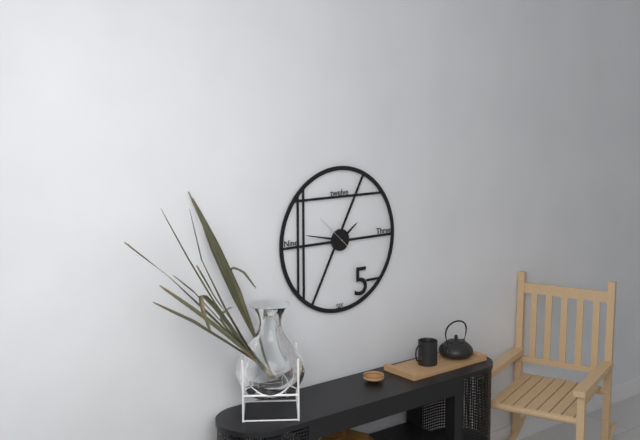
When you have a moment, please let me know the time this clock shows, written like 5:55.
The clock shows 1:47
